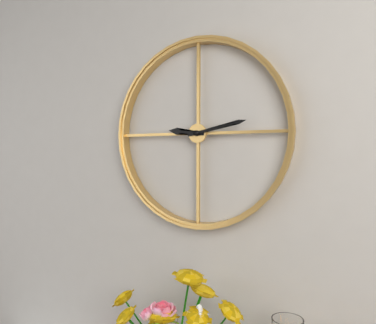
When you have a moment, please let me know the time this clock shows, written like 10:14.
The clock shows 9:13
